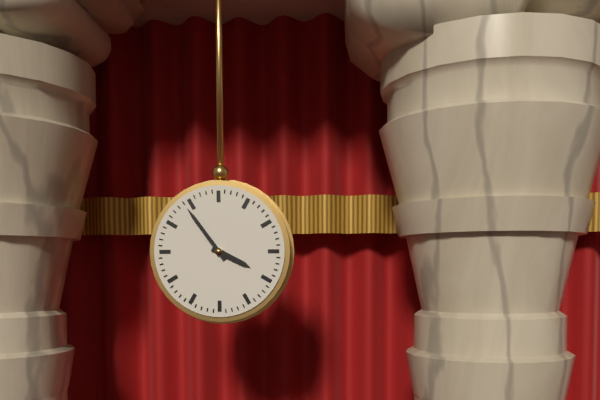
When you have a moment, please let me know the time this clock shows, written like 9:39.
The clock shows 3:54
